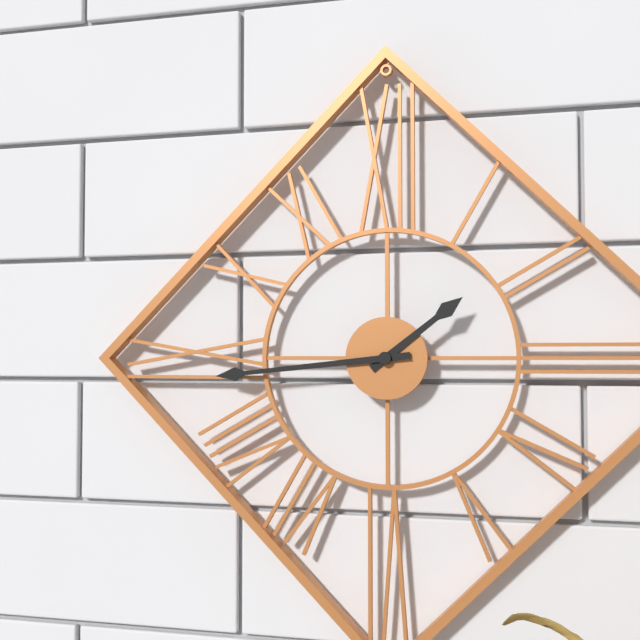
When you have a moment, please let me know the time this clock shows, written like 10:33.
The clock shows 1:44
